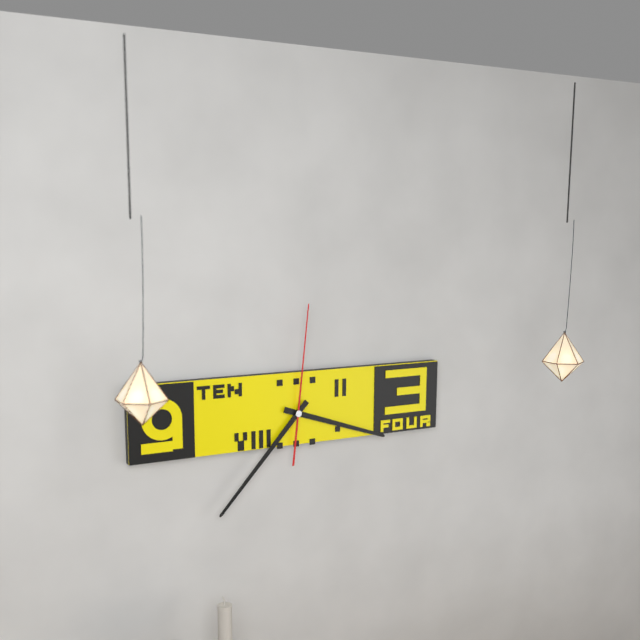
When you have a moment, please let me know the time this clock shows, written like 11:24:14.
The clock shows 3:37:01
